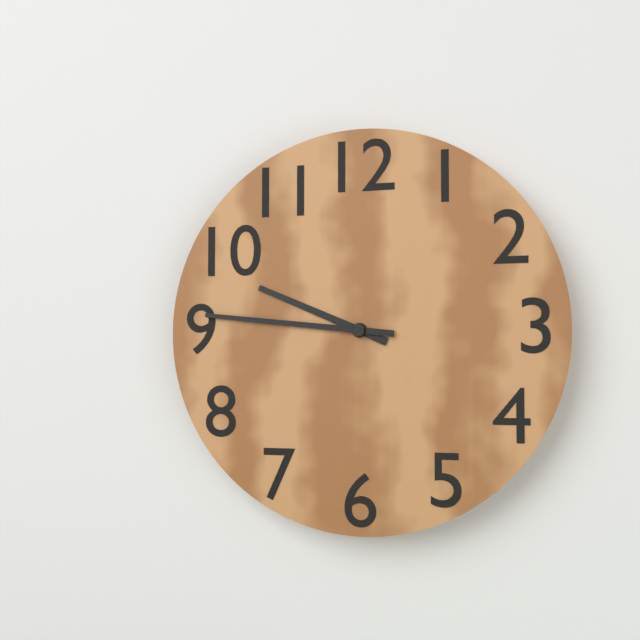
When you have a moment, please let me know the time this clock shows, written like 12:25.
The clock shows 9:46
